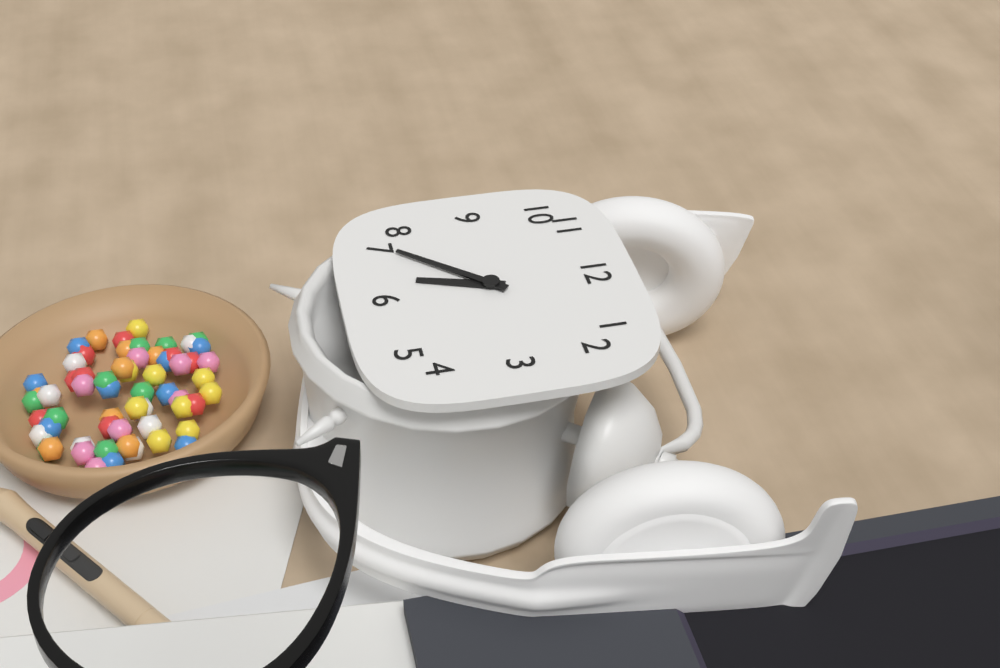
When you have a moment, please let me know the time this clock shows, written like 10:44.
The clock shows 6:37
